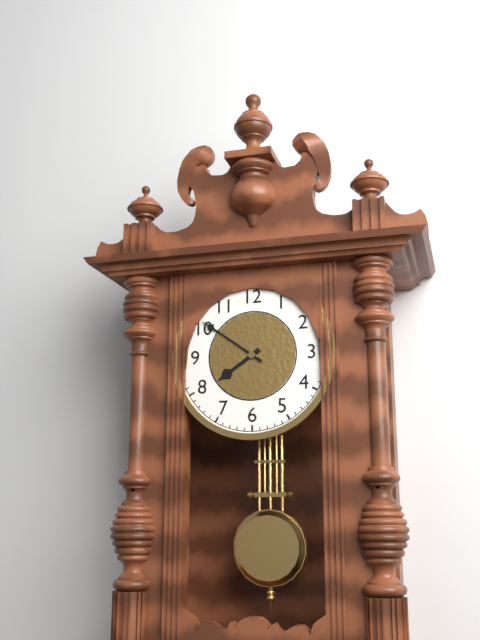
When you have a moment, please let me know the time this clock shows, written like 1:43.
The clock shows 7:51
